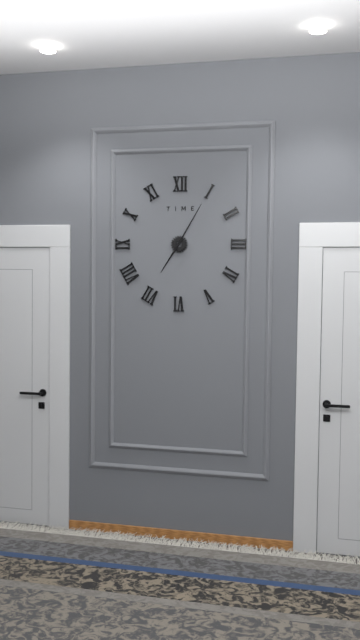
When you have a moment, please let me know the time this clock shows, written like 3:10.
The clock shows 7:05
